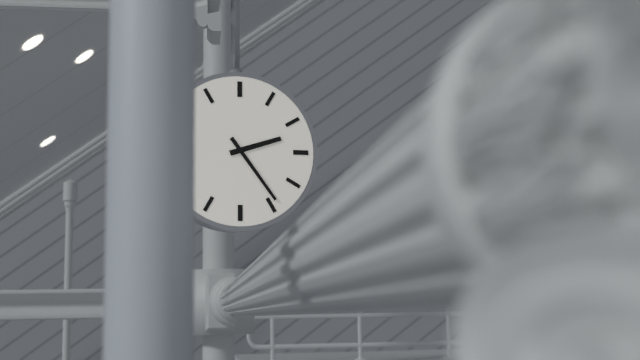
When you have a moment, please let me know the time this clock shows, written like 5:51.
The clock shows 2:24
